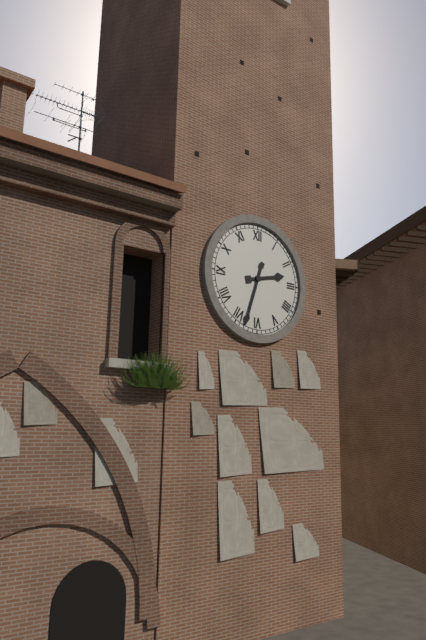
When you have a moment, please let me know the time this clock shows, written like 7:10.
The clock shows 2:33
